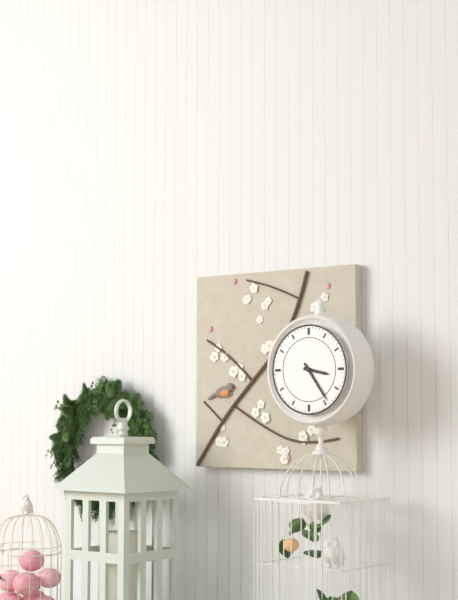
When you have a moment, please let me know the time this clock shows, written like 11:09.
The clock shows 3:24
